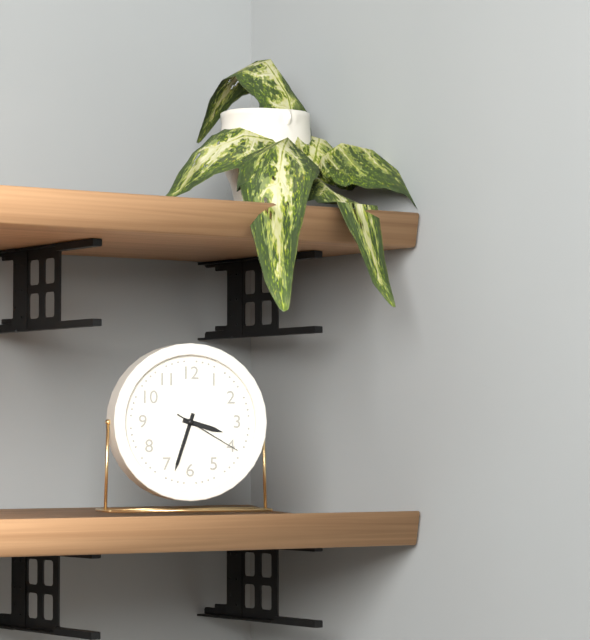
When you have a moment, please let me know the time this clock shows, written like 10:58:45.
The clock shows 3:33:20
